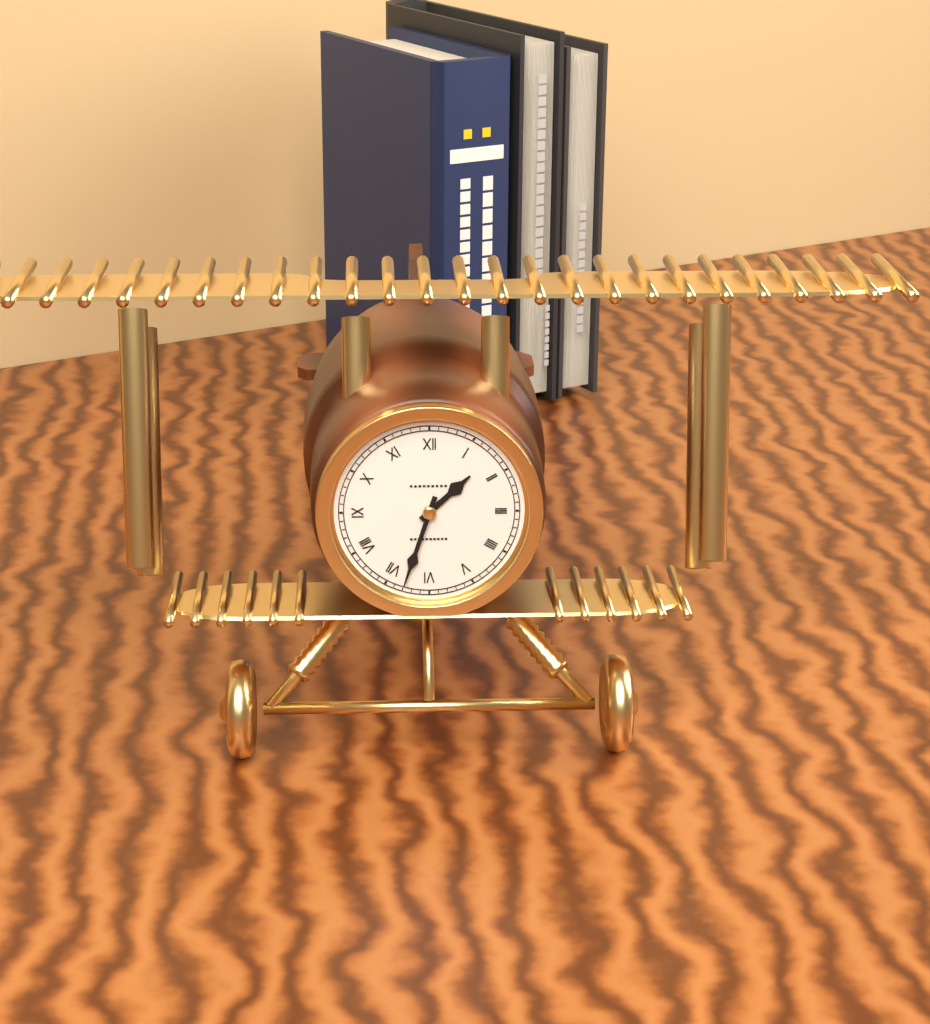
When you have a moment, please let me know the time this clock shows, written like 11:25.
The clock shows 1:33
